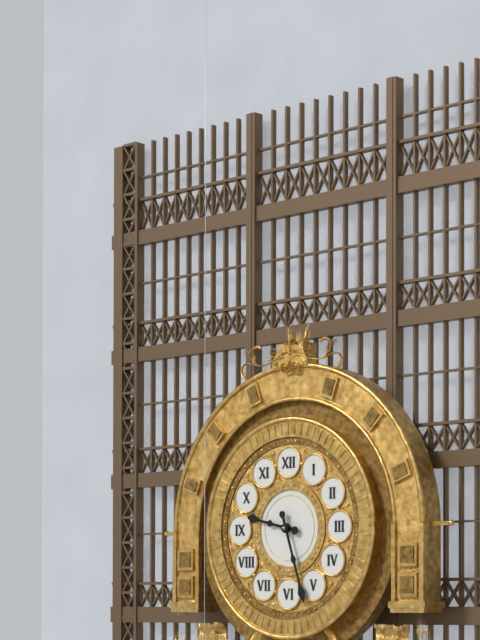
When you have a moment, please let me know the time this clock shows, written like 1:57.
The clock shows 9:27
